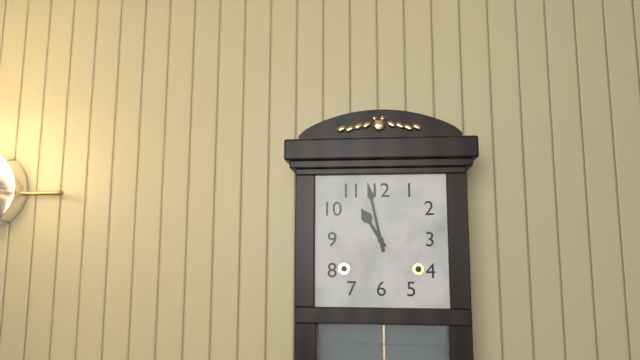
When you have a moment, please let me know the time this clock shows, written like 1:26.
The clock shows 10:58
